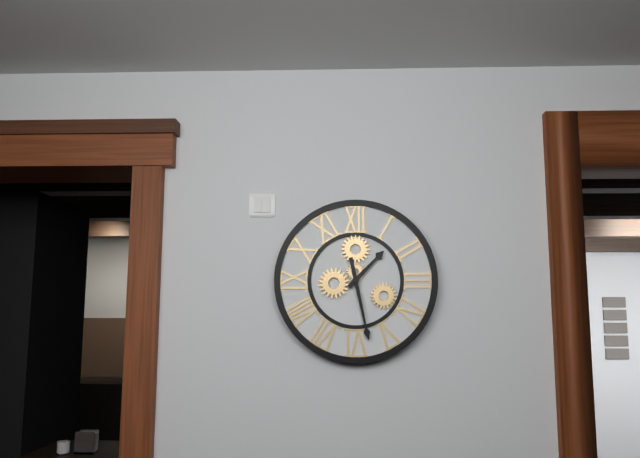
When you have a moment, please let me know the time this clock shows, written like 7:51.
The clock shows 1:28
